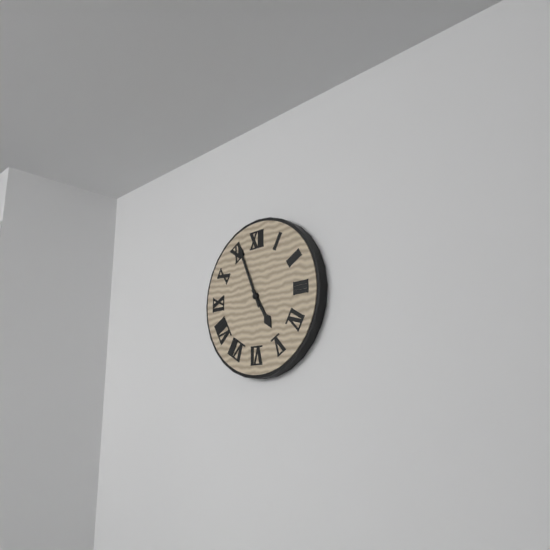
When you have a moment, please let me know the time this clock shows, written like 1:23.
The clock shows 4:56
